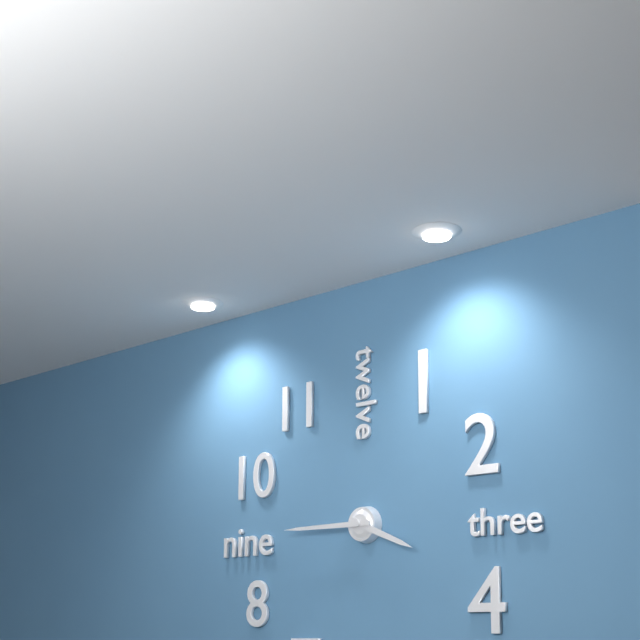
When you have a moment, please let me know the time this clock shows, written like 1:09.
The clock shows 3:45
